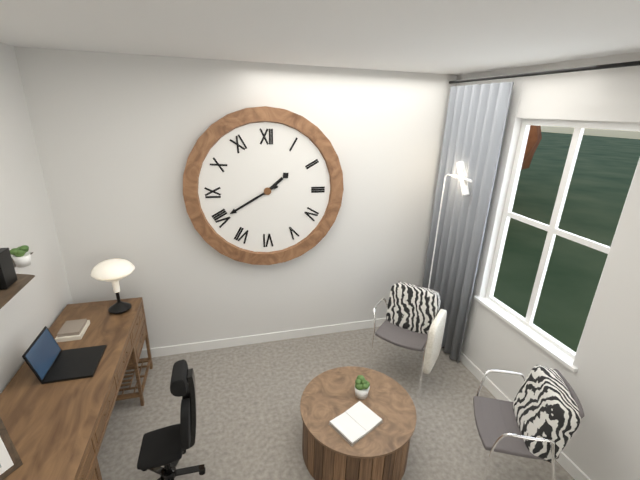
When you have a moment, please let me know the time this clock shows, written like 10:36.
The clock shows 1:40
